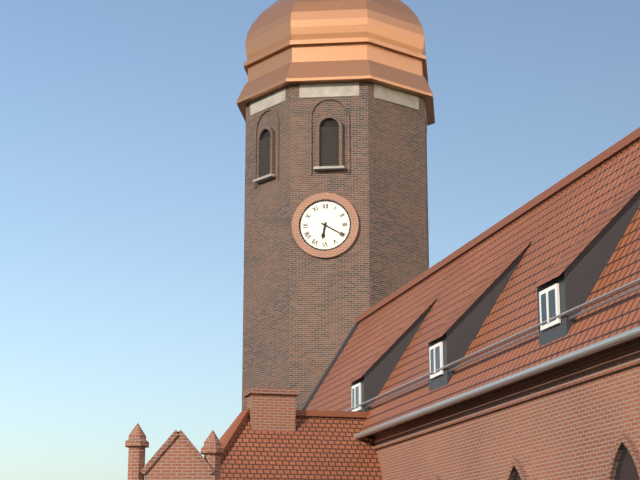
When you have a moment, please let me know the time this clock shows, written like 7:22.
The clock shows 6:20
